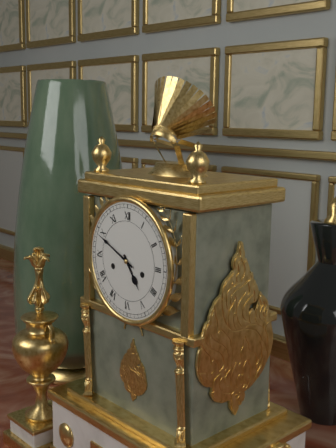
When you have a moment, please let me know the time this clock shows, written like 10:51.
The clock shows 4:49
